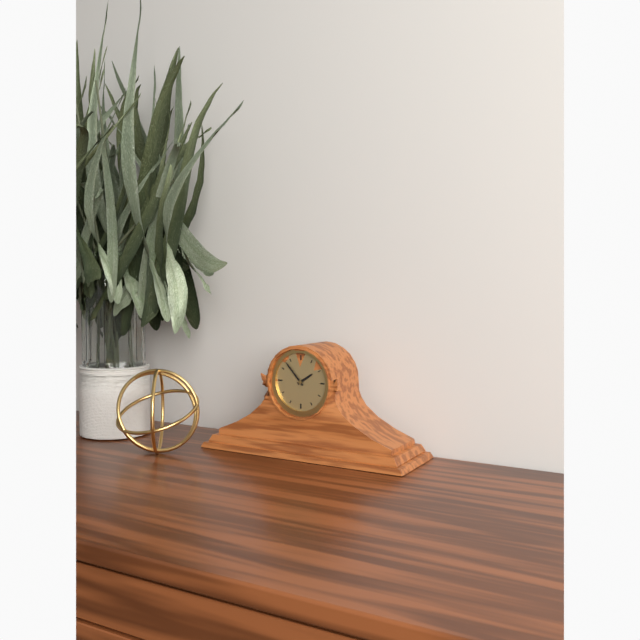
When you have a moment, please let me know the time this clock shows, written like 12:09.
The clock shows 1:53
